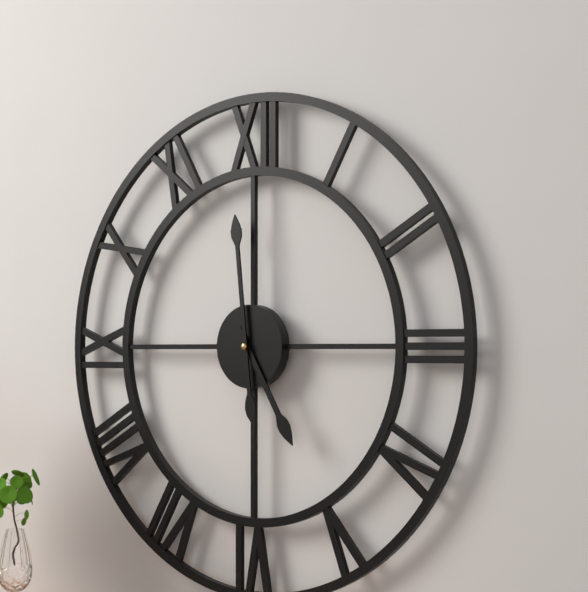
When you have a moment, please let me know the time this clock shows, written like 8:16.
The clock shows 4:59
